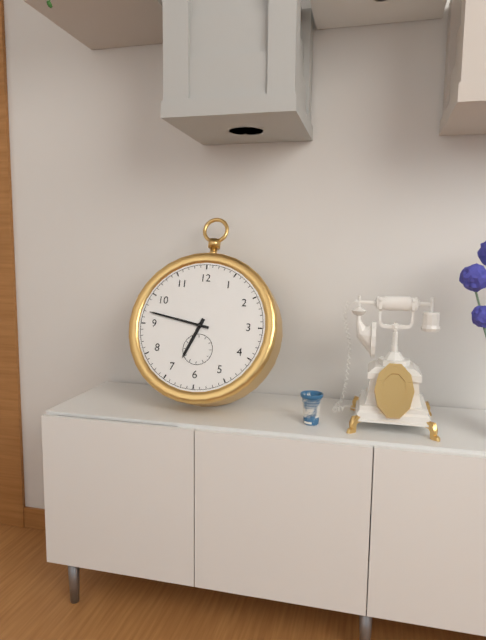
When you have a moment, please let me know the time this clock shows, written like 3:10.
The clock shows 6:47
